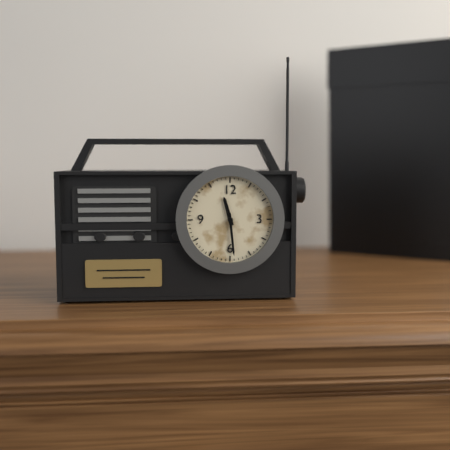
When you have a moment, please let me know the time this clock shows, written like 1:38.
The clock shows 11:29
